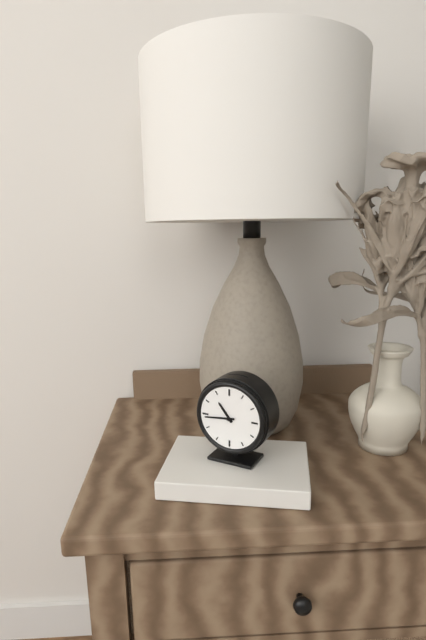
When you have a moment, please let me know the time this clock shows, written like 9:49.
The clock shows 10:44
